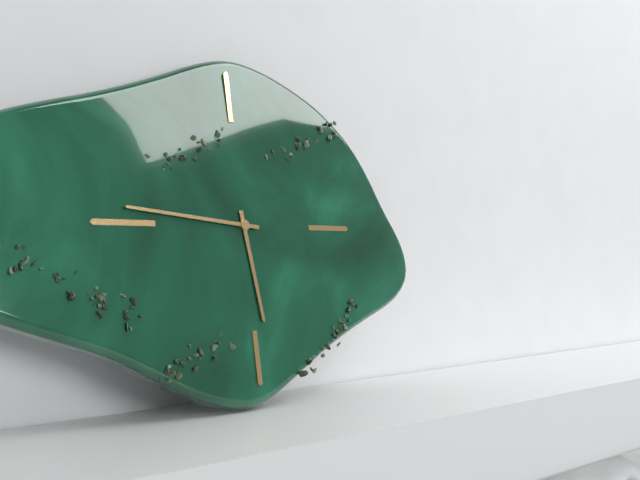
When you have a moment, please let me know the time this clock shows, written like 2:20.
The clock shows 5:46
